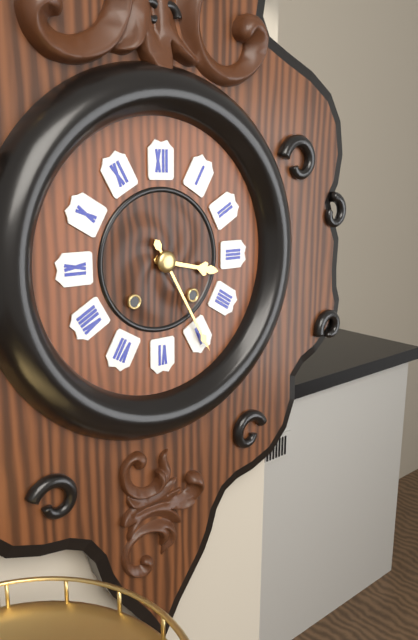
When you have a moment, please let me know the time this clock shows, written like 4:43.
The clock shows 3:25
